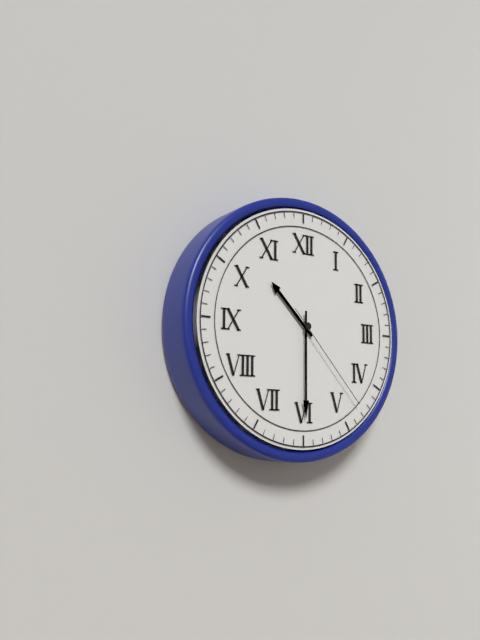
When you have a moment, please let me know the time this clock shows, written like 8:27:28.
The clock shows 10:30:23
